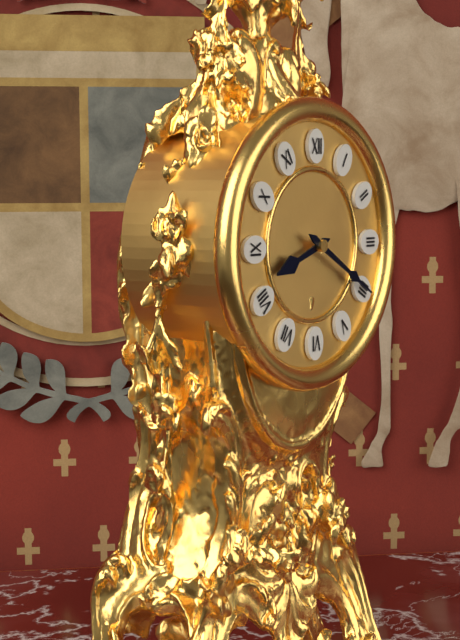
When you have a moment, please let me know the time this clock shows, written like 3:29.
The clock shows 8:20
